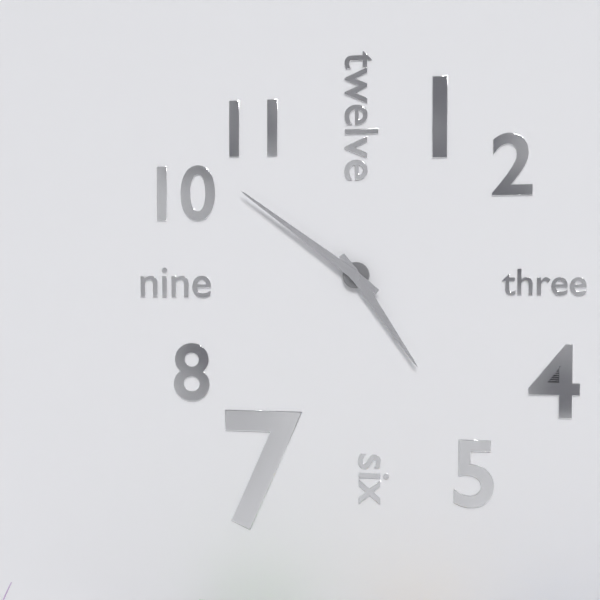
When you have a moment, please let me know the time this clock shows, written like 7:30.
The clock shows 4:51
